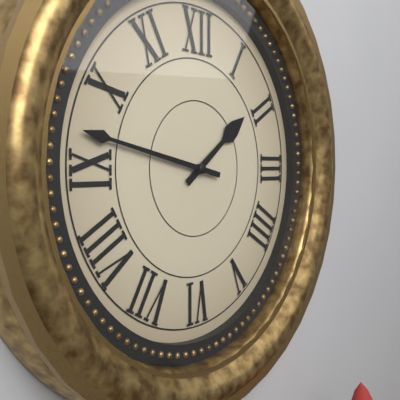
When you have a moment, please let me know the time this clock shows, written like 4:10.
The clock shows 1:47
